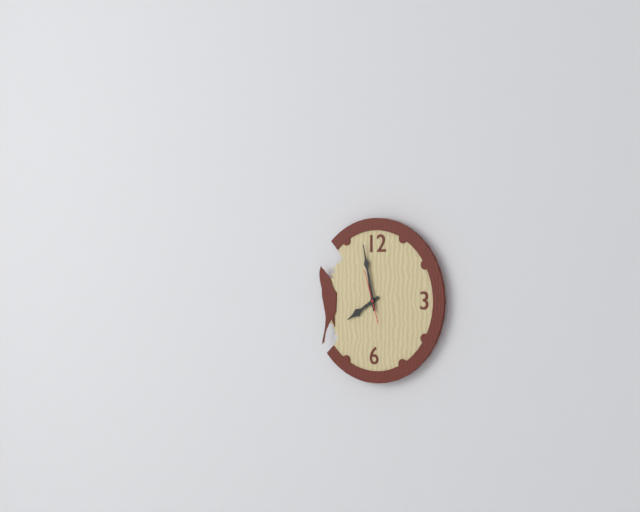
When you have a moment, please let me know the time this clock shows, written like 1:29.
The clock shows 7:58
